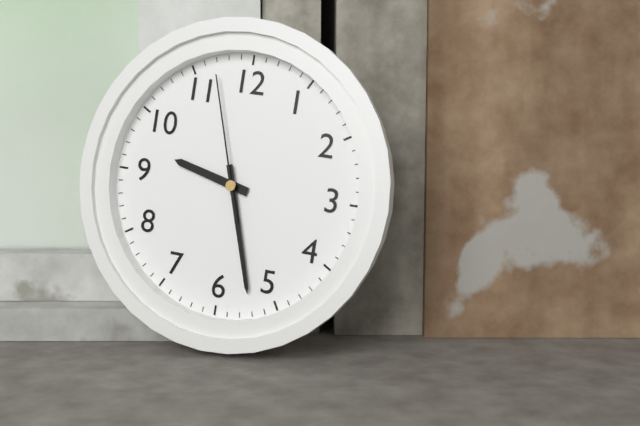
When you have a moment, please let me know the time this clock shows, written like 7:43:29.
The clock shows 9:27:57
